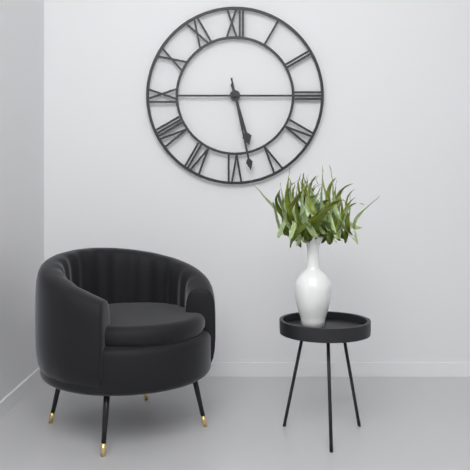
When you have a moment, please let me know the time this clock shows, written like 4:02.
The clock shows 5:28
